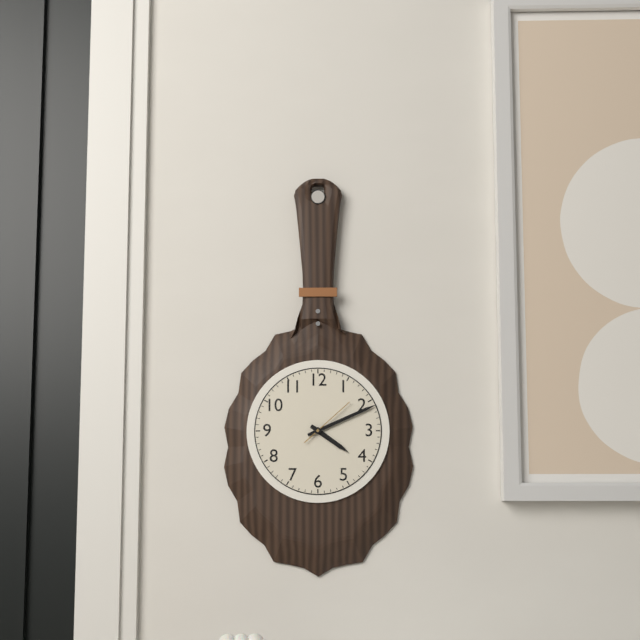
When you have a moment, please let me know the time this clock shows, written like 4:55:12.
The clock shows 4:11:08
